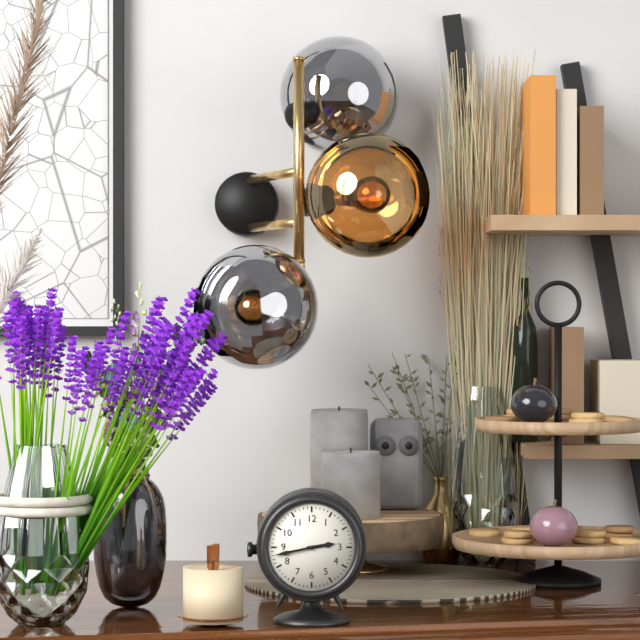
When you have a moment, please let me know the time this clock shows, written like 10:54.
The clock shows 2:43
